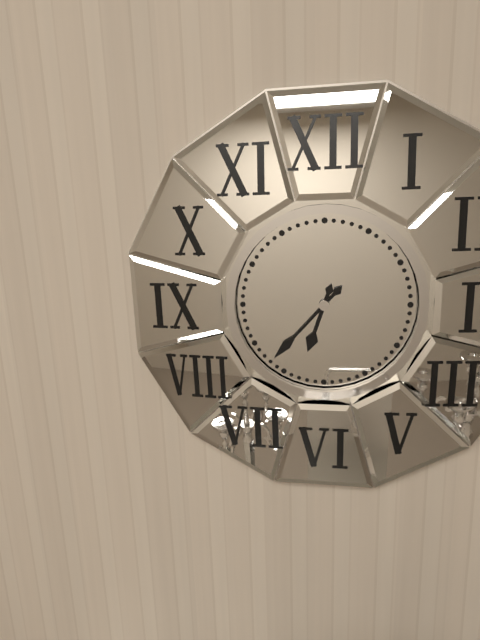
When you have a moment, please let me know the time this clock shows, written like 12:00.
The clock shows 6:37
